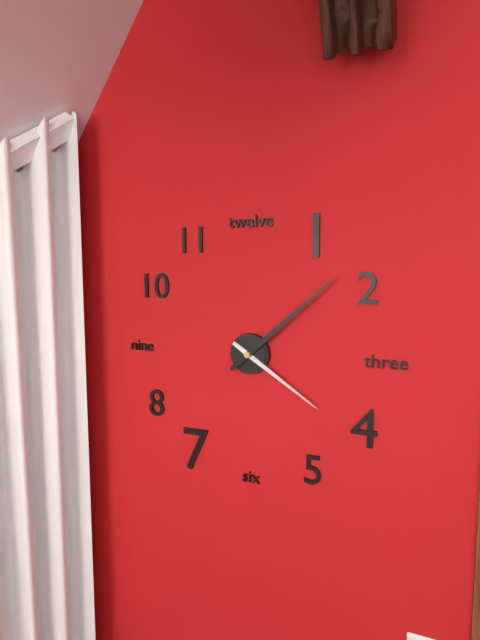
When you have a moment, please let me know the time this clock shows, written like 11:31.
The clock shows 4:08
